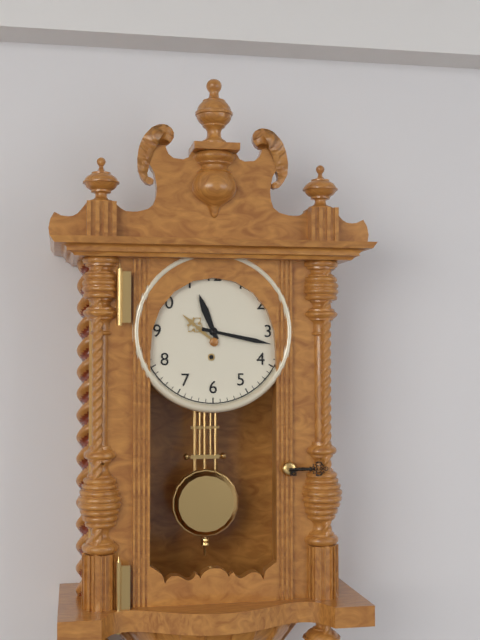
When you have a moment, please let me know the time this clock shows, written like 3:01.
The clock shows 11:17
